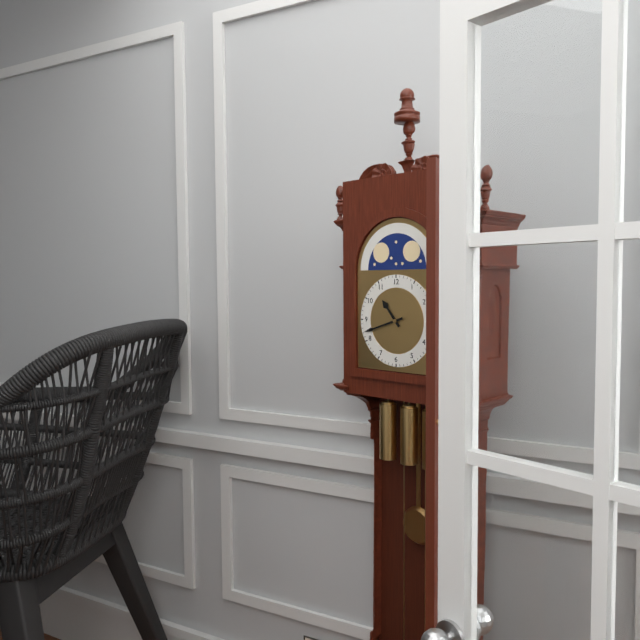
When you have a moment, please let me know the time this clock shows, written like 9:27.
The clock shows 10:42
